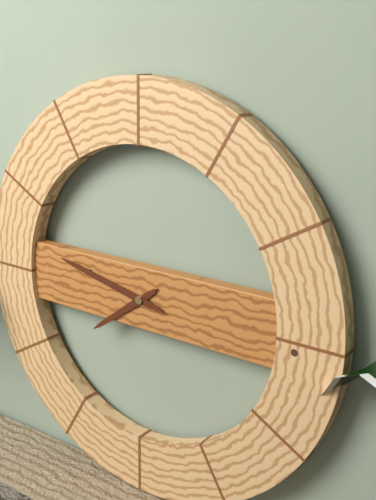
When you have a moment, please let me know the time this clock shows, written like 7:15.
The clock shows 7:47
